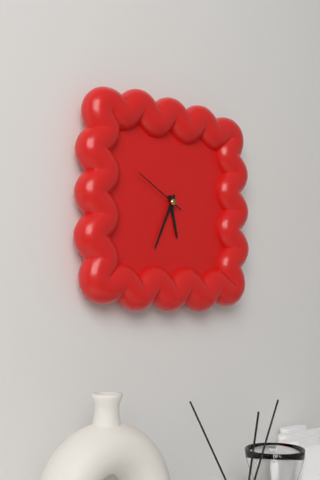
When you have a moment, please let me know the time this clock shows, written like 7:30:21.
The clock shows 5:34:50
